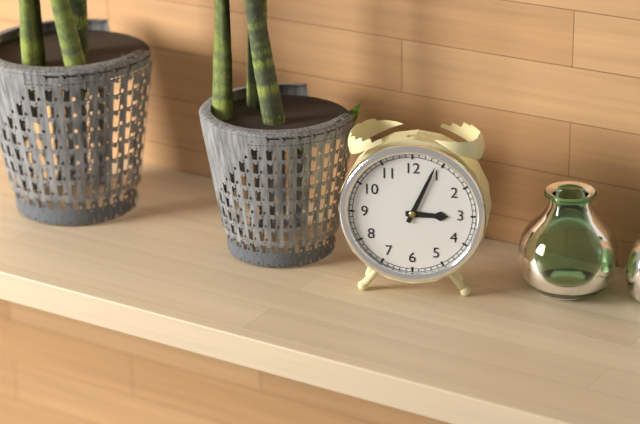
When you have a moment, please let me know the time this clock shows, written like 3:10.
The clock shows 3:04
